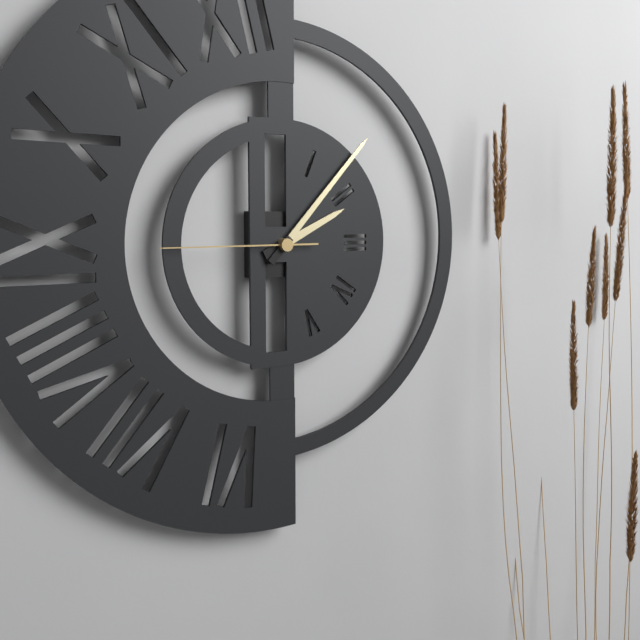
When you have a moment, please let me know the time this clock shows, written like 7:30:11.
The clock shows 2:07:45
